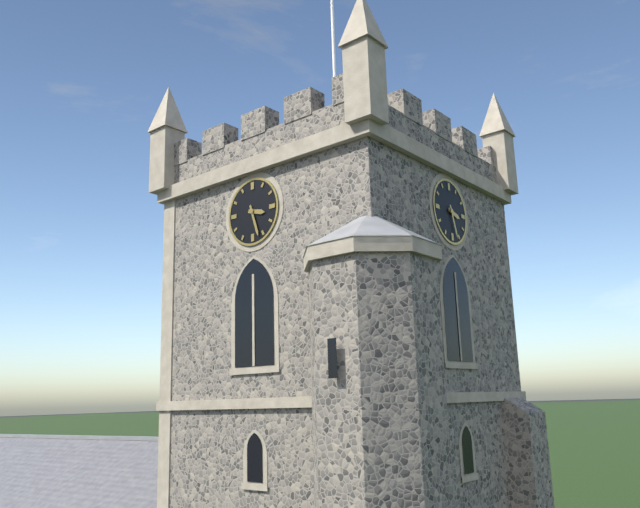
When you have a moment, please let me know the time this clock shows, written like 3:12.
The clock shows 3:27
